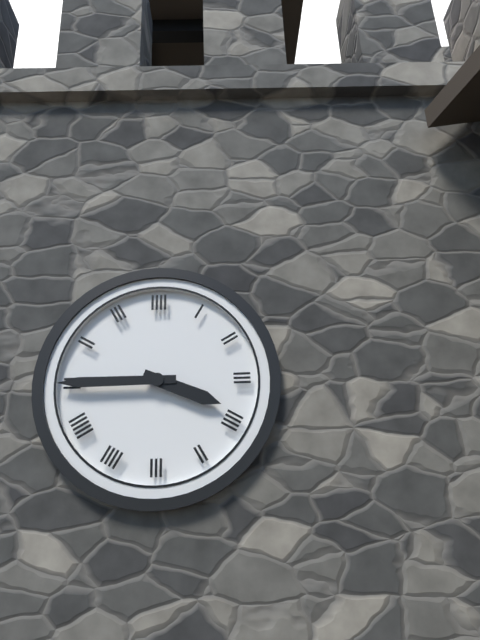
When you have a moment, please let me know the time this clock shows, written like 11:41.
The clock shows 3:45
